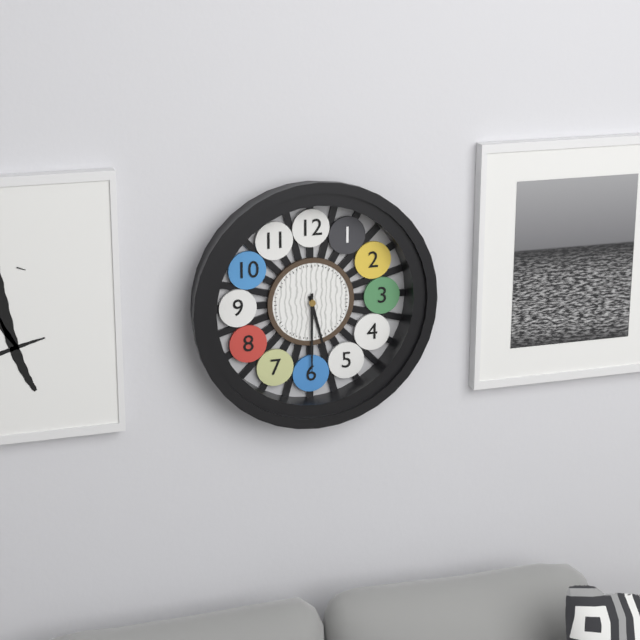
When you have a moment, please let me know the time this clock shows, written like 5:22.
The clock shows 5:30
